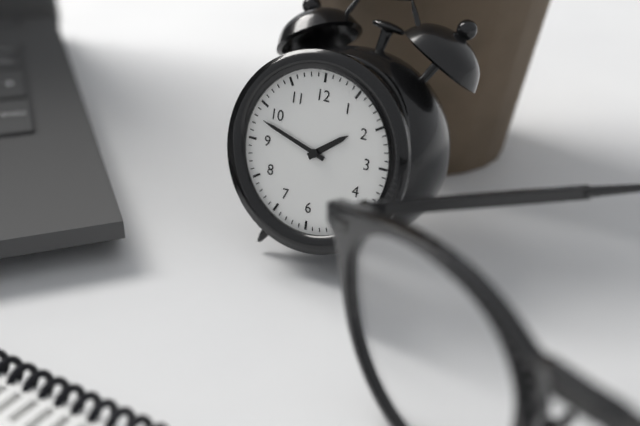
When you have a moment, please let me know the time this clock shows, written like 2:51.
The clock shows 1:48
